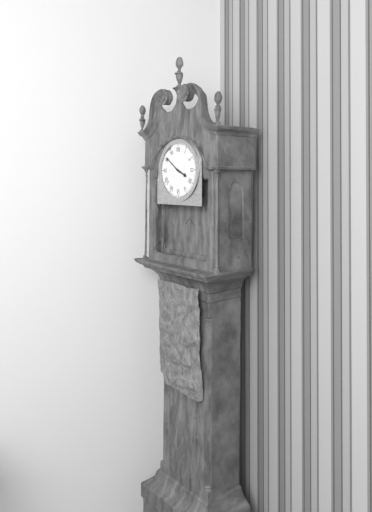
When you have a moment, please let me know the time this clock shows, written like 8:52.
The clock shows 3:51
